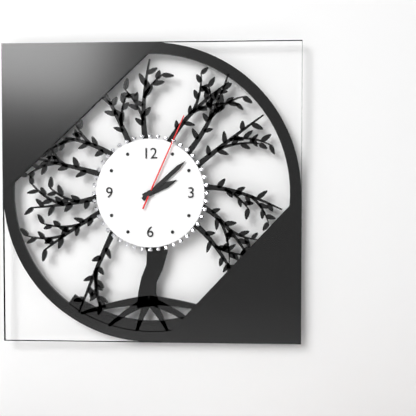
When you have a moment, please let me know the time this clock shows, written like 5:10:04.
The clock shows 2:08:04
